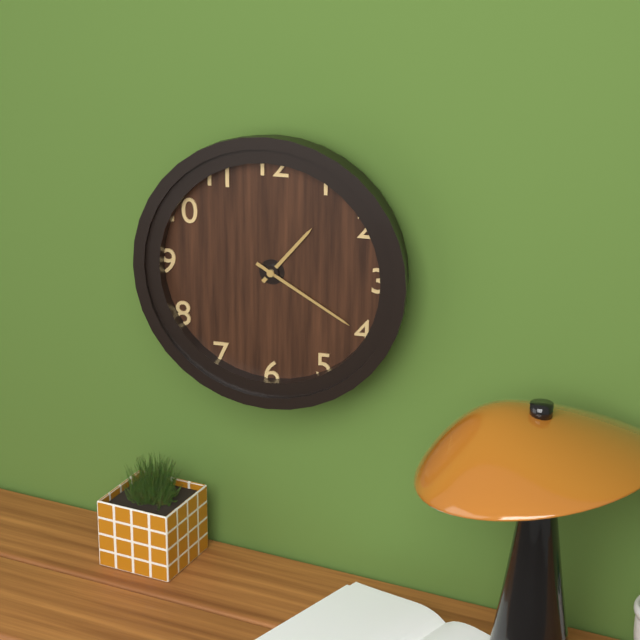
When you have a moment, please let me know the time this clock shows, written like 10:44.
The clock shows 1:20
